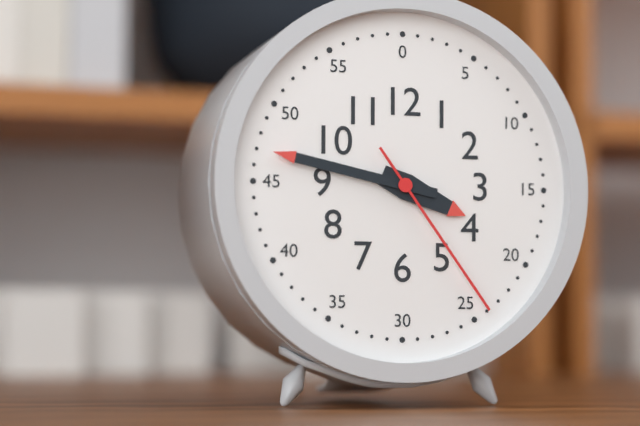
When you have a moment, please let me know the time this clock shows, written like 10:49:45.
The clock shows 3:47:24
